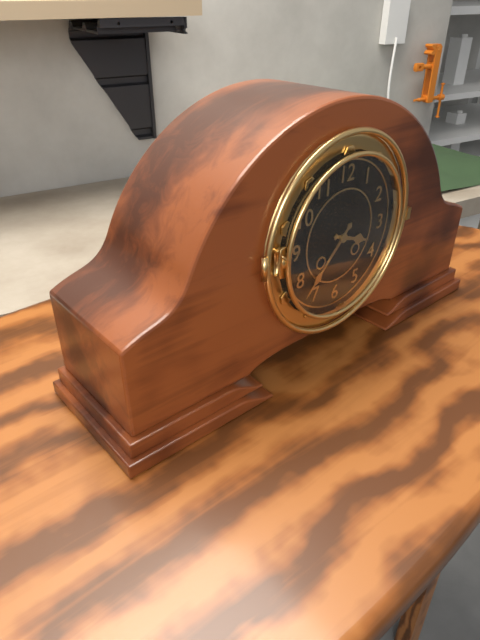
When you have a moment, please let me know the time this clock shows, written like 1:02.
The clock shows 3:37
